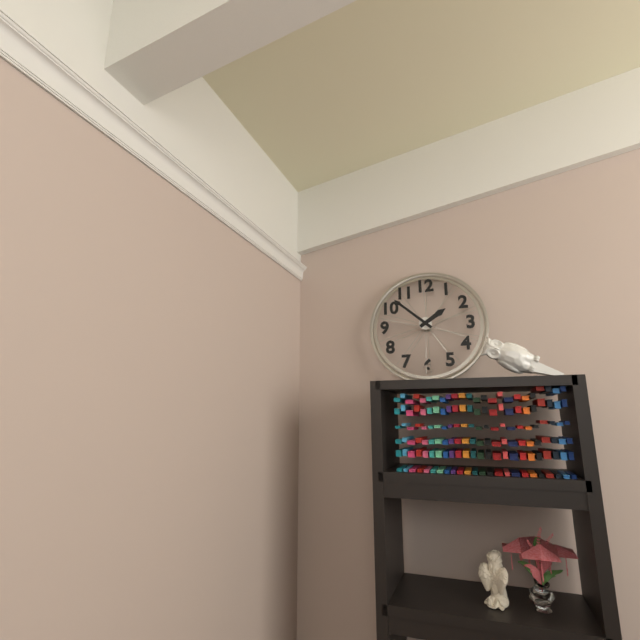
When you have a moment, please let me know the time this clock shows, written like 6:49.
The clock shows 1:52
